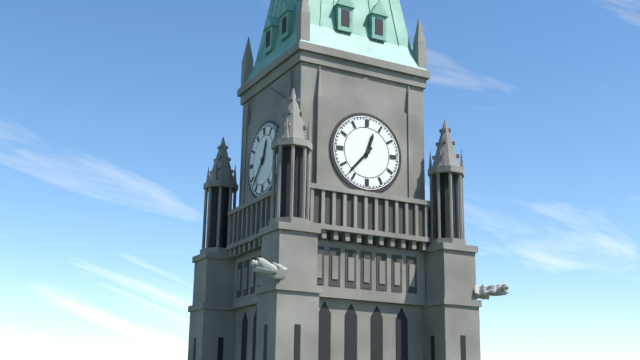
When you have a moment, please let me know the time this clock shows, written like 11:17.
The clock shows 12:37
